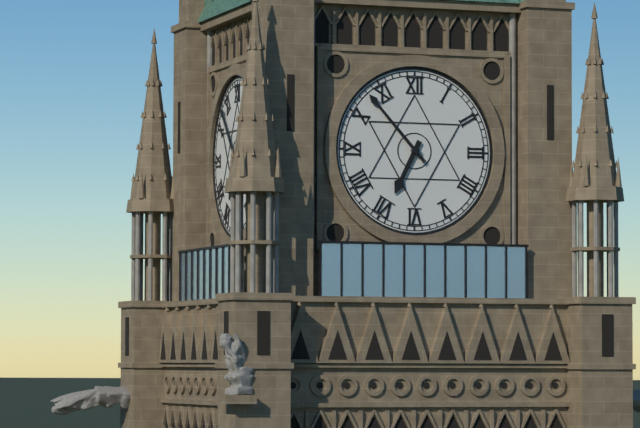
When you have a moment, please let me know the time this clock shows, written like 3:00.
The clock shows 6:53
